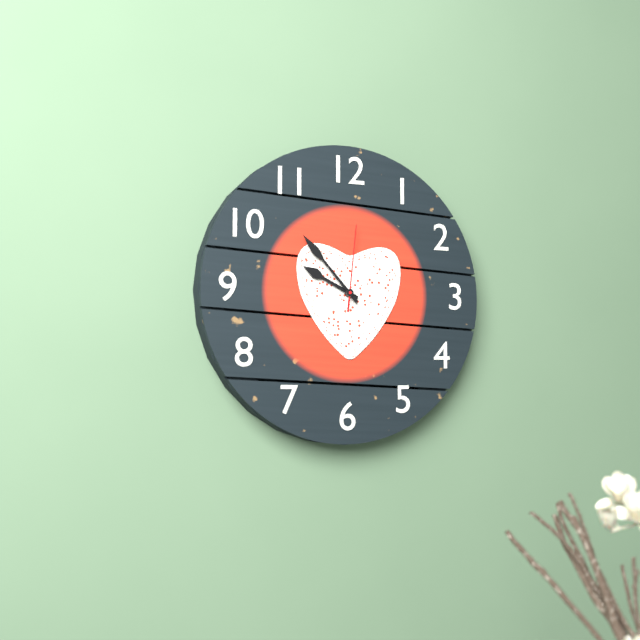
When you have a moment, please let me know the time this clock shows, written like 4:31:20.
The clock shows 9:53:01
